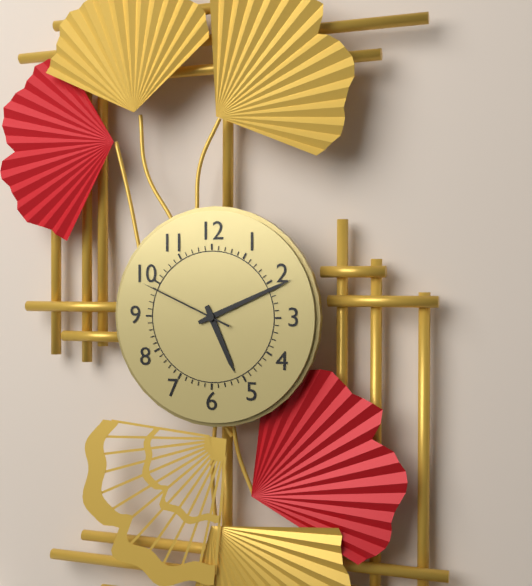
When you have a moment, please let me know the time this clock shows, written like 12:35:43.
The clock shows 5:11:49
